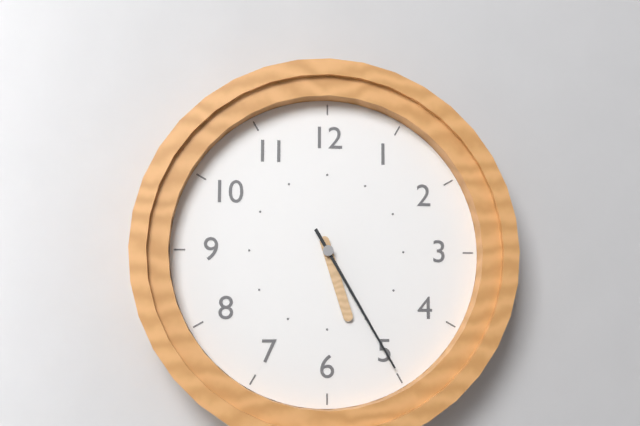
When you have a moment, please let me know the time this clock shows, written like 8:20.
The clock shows 5:25
